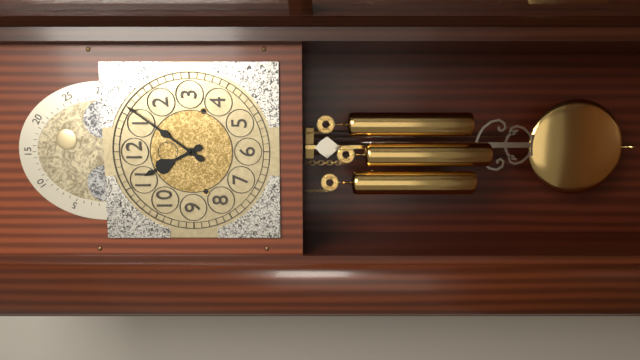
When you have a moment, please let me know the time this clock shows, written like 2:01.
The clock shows 11:06
